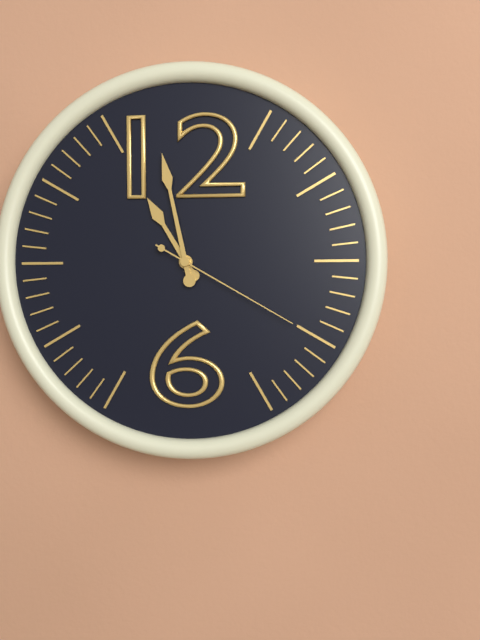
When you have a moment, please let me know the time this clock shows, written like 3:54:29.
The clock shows 10:58:20
